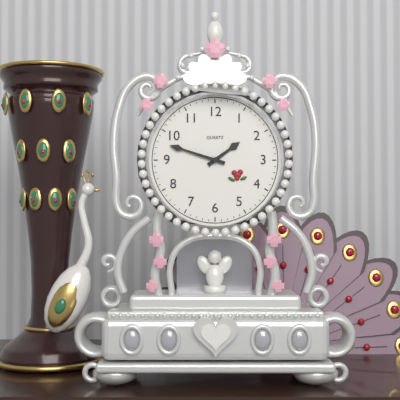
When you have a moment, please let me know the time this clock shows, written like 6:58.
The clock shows 1:48
